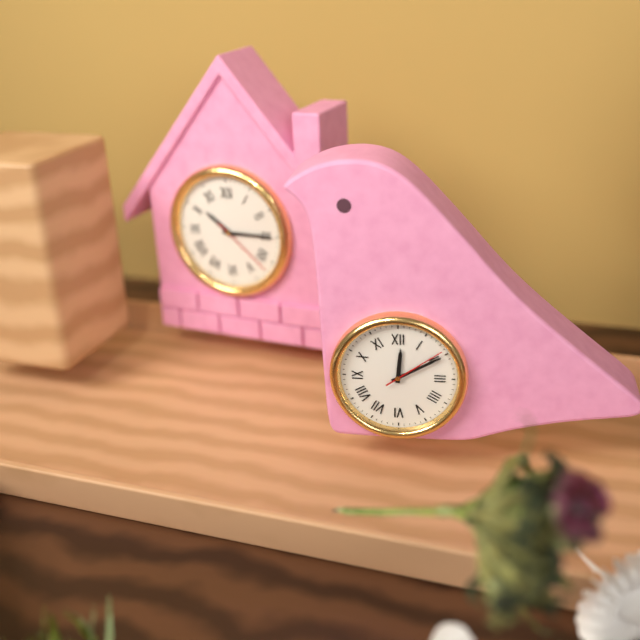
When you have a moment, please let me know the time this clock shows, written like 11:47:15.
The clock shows 12:10:09
